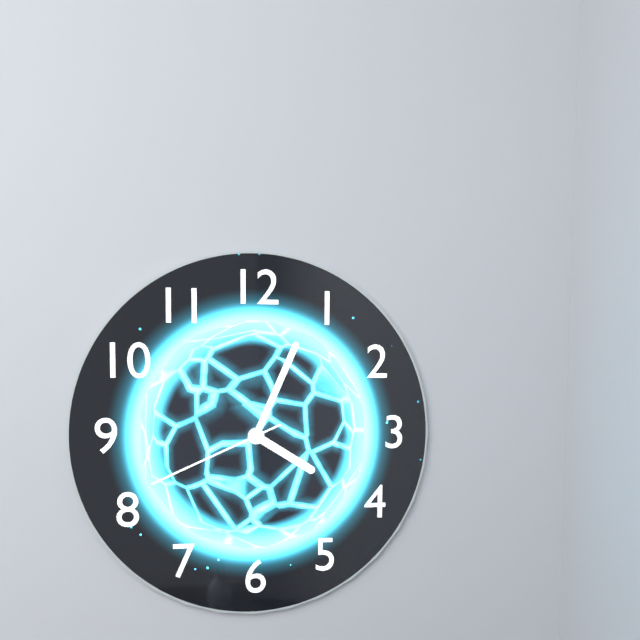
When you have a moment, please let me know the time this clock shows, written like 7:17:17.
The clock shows 4:04:41
